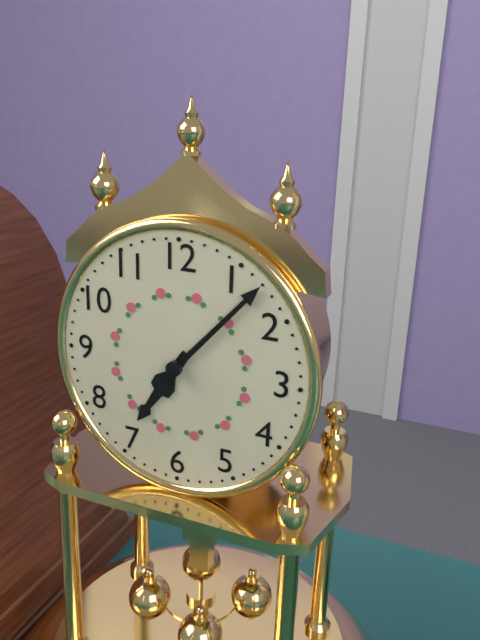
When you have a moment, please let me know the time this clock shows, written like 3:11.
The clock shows 7:07
